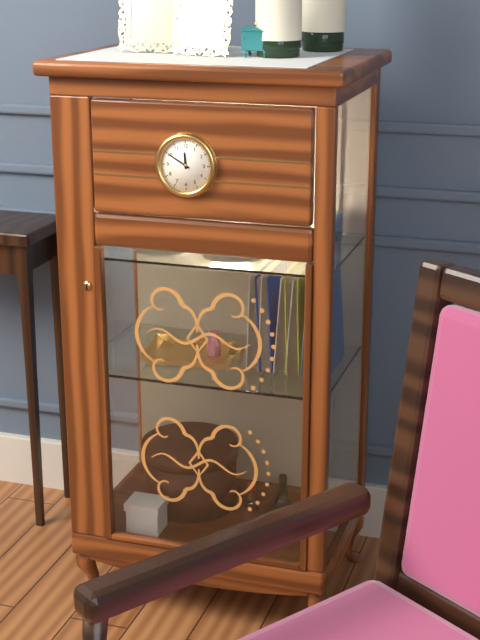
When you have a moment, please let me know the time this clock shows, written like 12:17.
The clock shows 11:50
